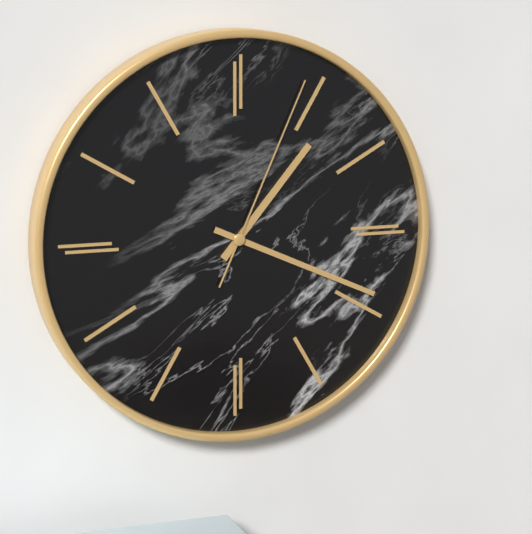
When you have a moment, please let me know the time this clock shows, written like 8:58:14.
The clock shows 1:19:04
